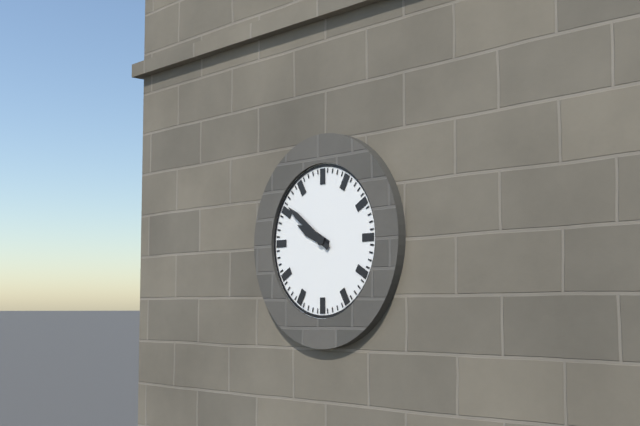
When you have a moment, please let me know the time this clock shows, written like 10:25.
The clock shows 9:51
